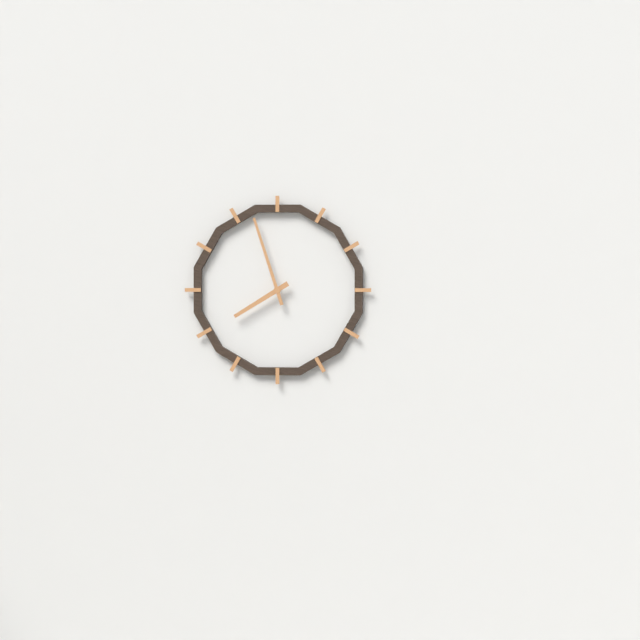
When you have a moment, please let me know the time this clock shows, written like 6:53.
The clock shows 7:57
